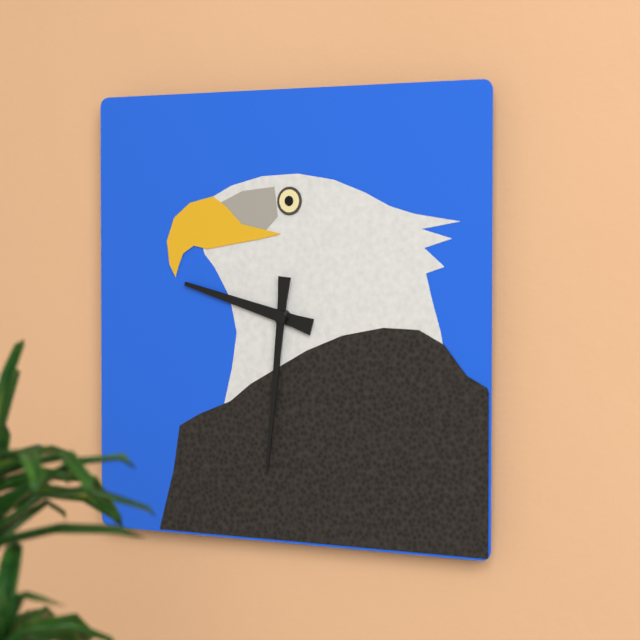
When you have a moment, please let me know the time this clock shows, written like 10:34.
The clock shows 9:31
